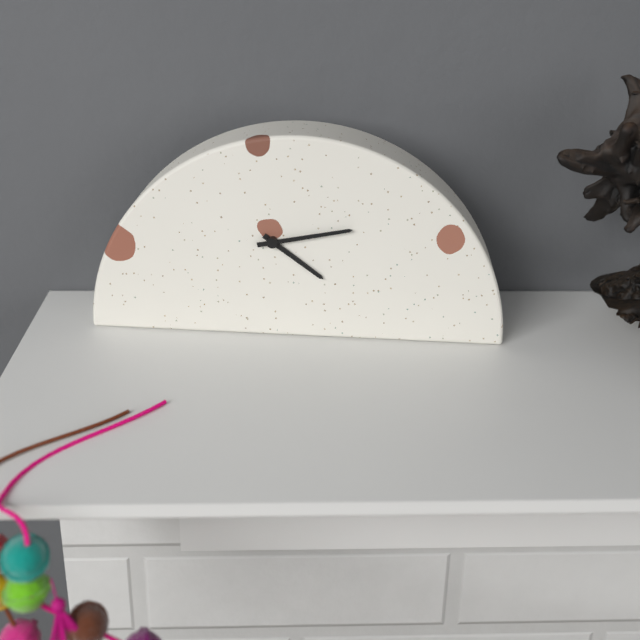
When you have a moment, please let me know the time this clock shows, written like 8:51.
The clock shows 4:13
